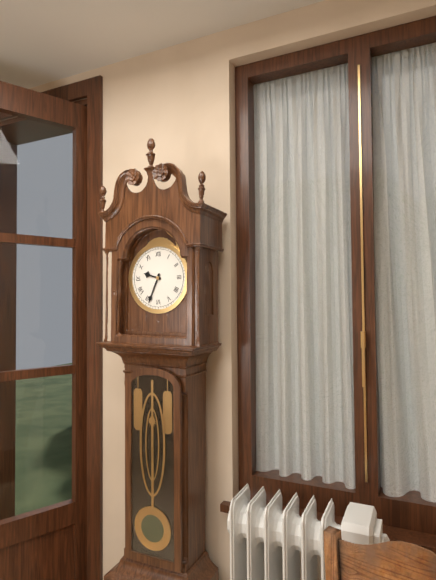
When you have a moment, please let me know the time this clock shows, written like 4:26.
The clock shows 9:34
